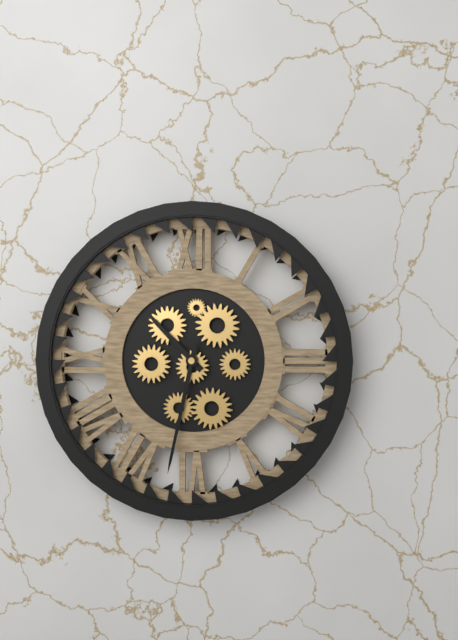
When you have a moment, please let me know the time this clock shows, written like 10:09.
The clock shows 10:32
